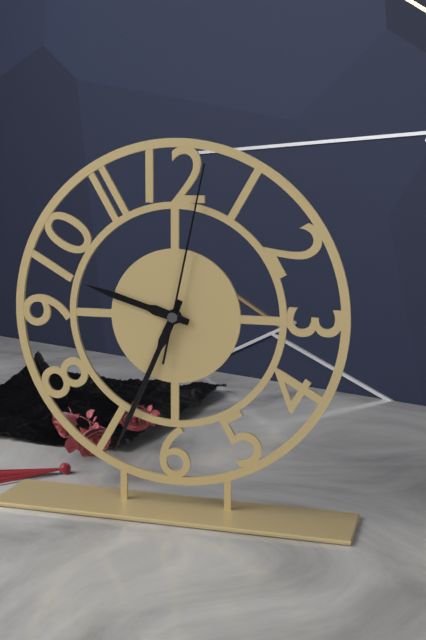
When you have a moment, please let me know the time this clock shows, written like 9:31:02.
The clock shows 9:34:02
